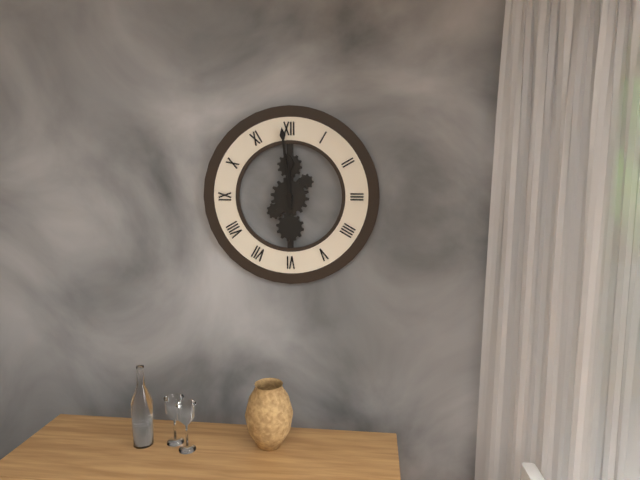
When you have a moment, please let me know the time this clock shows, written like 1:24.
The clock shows 11:59
